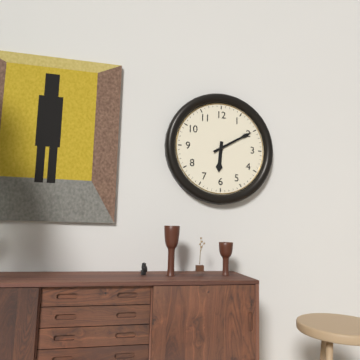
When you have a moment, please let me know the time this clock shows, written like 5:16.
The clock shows 6:10
